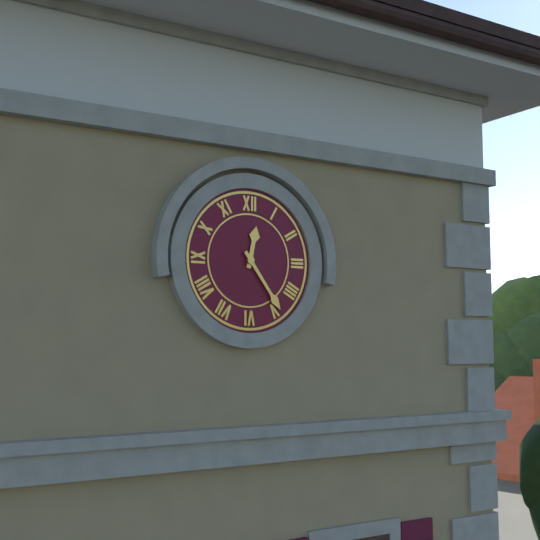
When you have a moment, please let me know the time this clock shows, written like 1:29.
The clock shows 12:24
